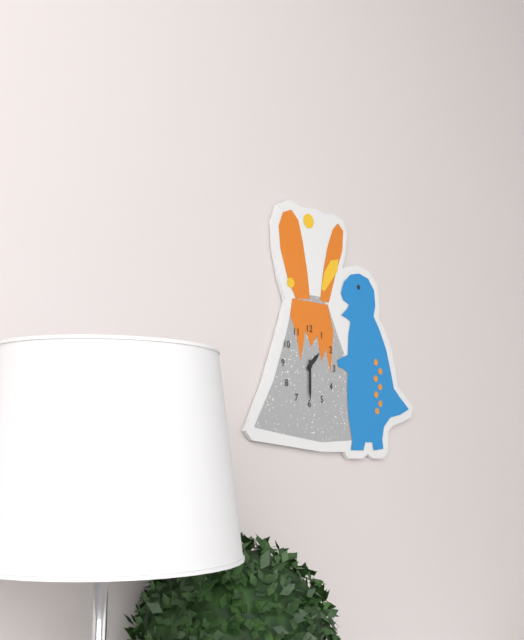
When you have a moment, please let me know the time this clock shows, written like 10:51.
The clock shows 1:30
